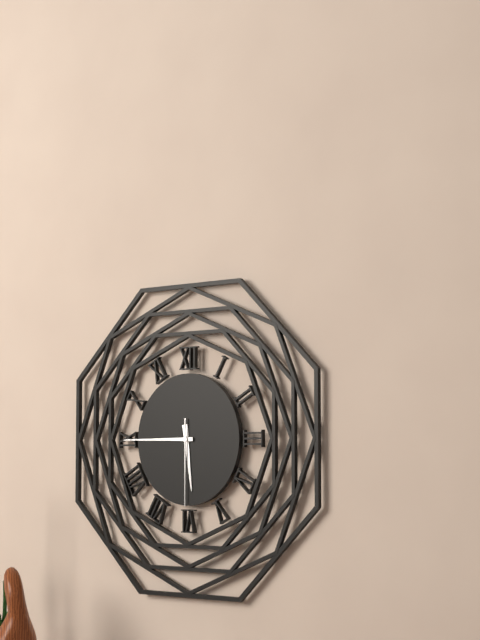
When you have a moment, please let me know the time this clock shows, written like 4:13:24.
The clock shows 5:45:30
